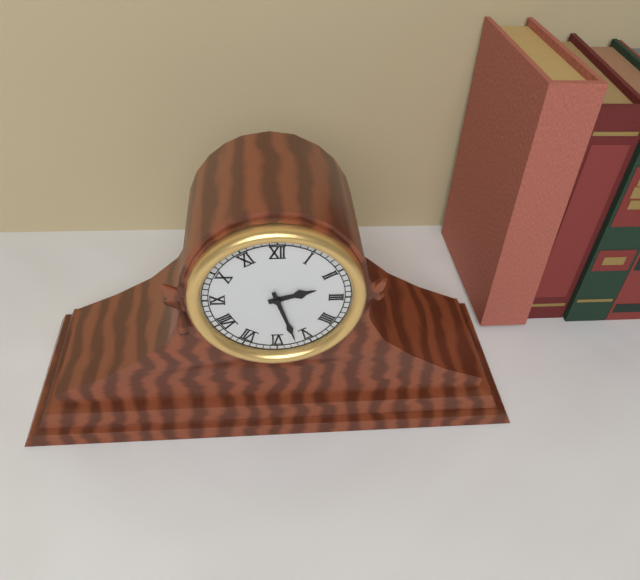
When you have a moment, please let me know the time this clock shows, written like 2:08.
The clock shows 2:27
